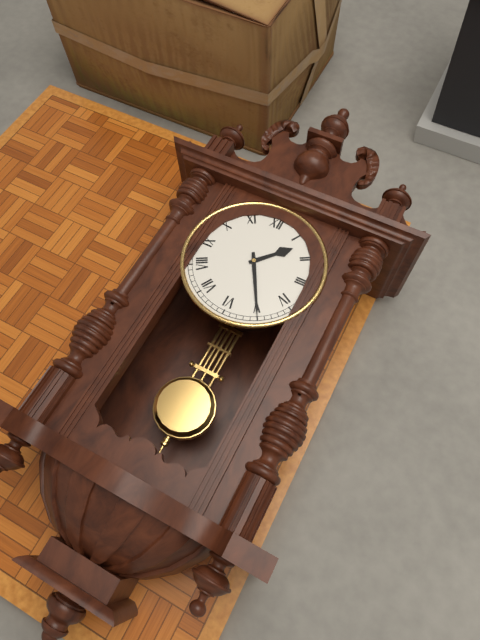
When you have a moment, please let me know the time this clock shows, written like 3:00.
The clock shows 1:25
